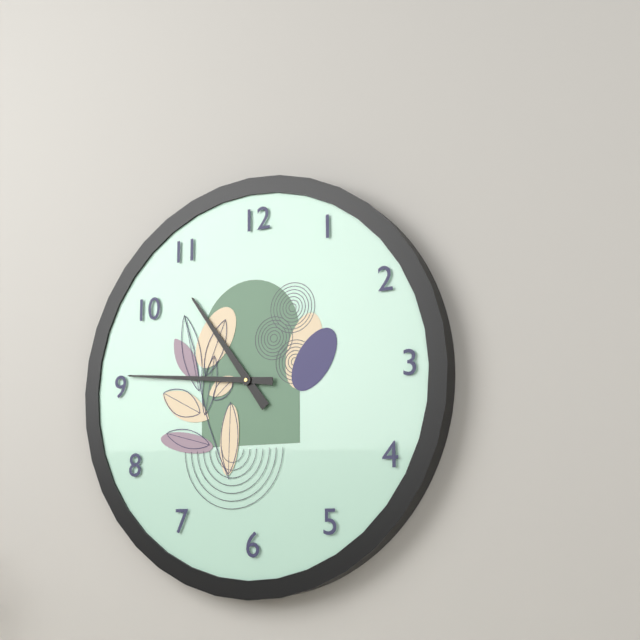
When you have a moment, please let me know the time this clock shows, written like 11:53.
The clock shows 10:46
